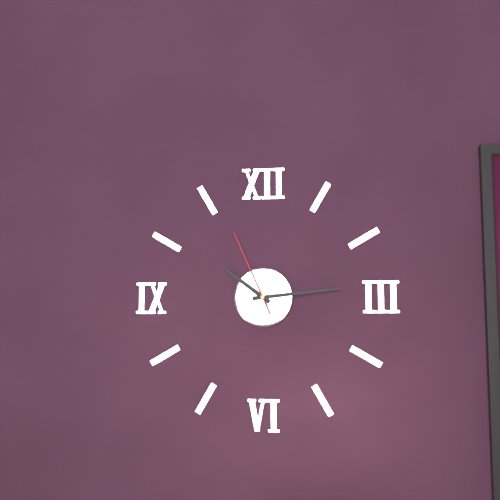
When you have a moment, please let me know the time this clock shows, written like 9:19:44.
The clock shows 10:14:56
